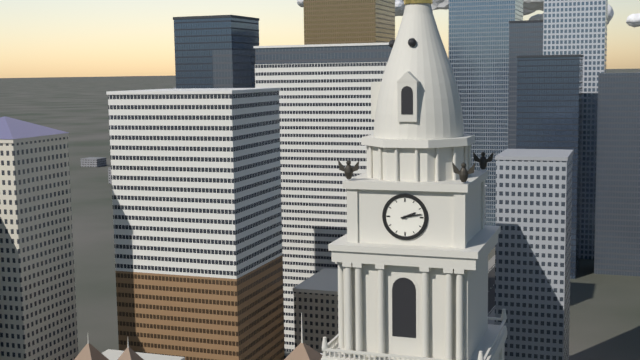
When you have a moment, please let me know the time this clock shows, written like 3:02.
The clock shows 2:13
